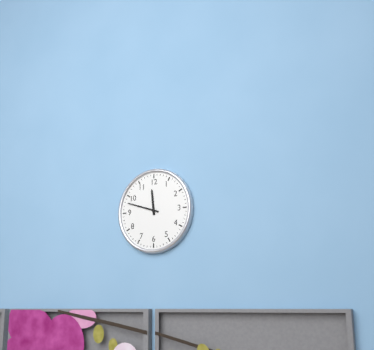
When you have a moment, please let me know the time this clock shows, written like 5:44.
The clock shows 11:48
